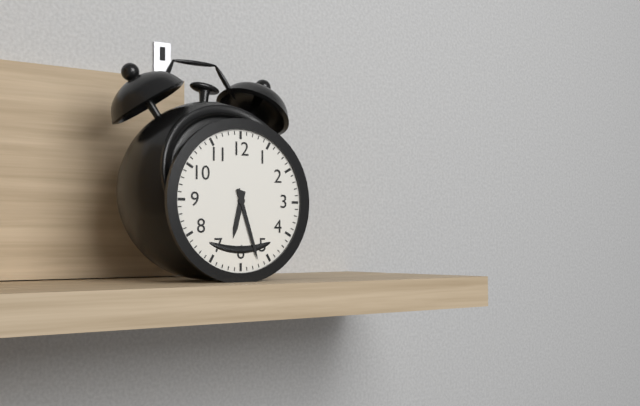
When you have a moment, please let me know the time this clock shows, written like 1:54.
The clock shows 6:27
